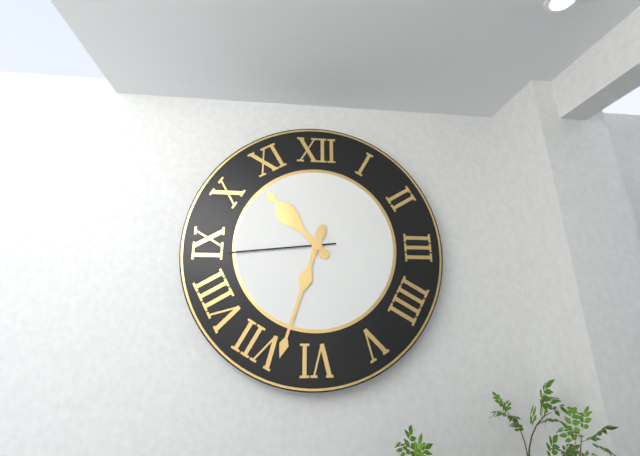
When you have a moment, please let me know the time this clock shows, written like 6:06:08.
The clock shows 10:33:44
